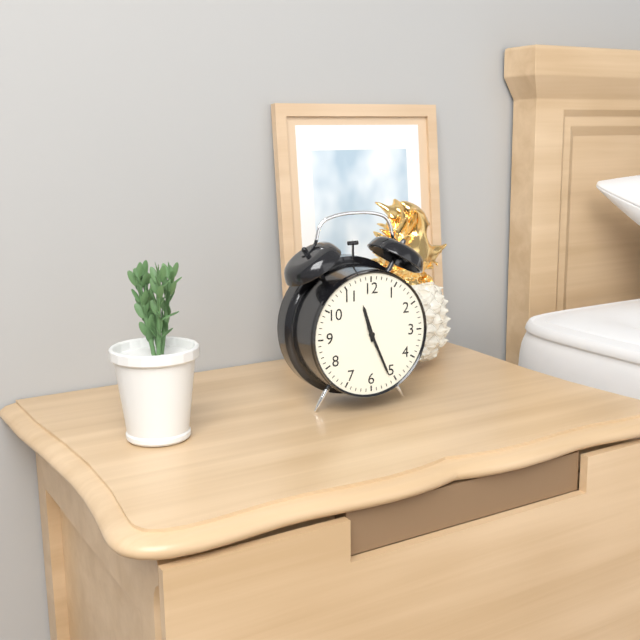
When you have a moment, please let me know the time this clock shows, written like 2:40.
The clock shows 11:26
